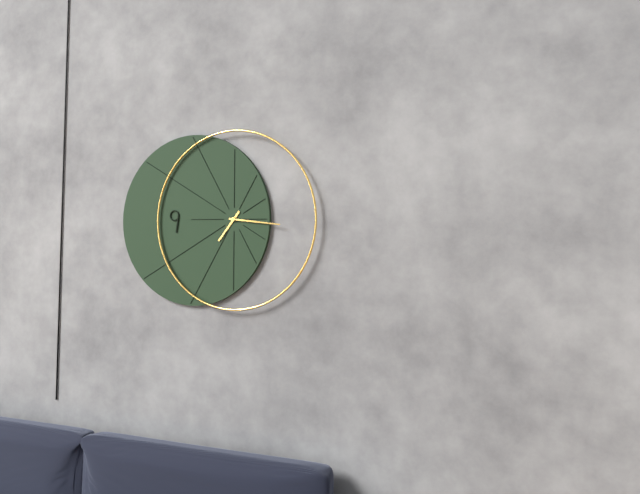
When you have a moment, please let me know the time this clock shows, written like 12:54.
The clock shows 7:16
